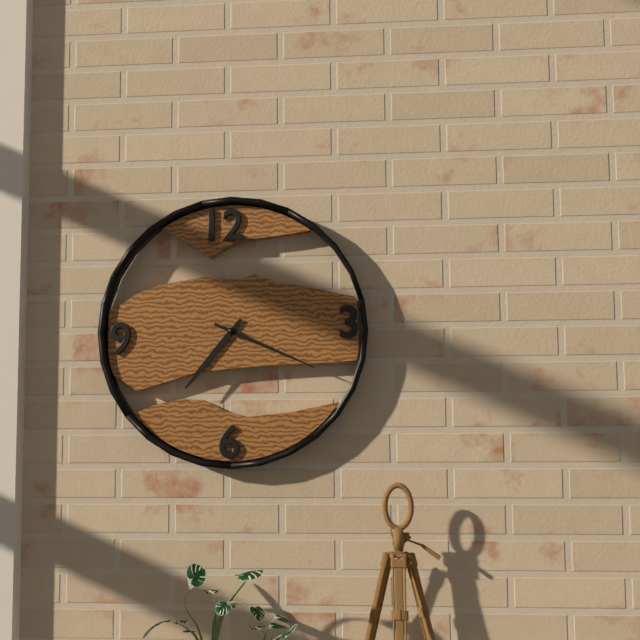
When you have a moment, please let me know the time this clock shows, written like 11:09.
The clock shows 7:19
